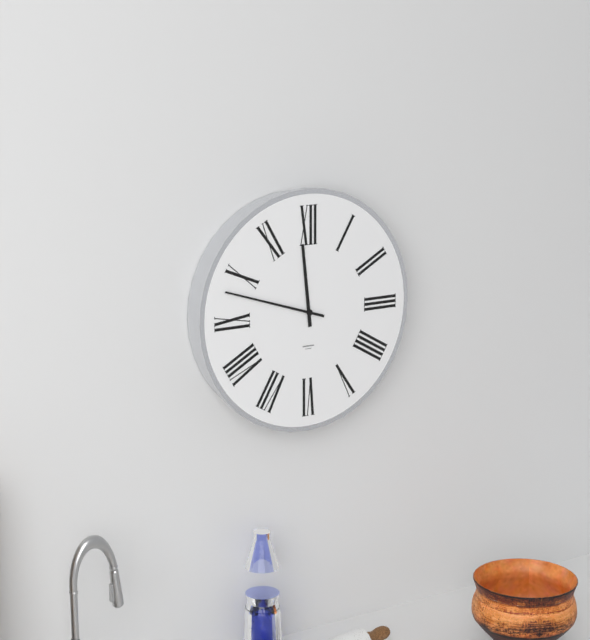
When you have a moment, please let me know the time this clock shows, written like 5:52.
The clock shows 11:48
